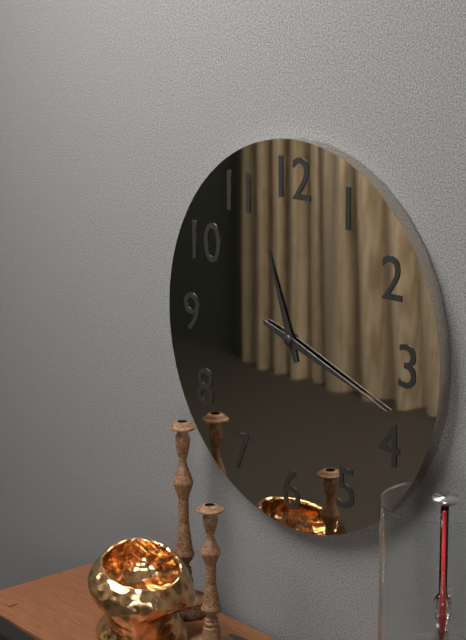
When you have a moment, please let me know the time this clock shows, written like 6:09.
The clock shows 11:18
